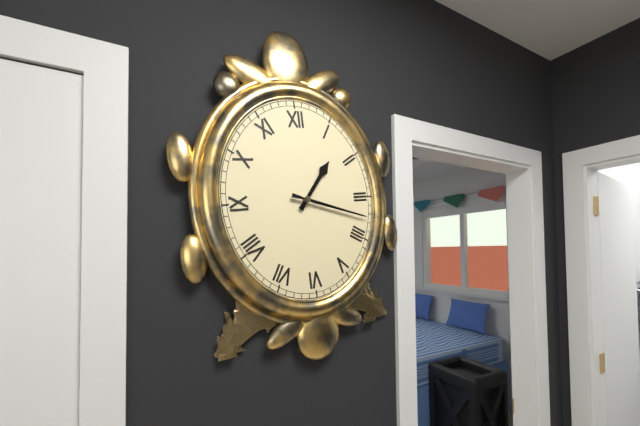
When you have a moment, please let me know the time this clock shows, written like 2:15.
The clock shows 1:18
